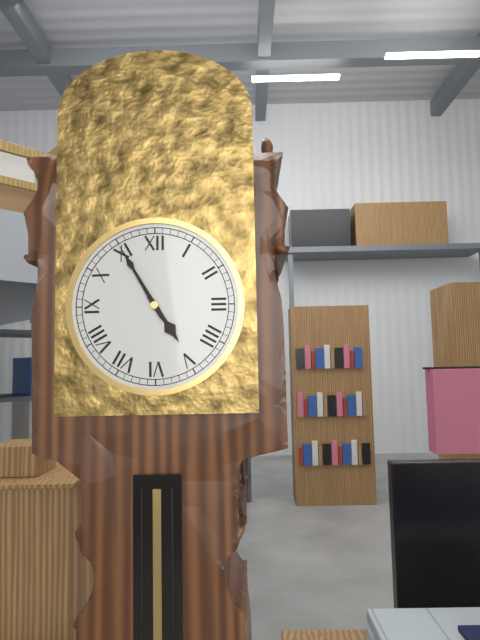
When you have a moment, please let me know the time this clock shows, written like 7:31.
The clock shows 4:55
